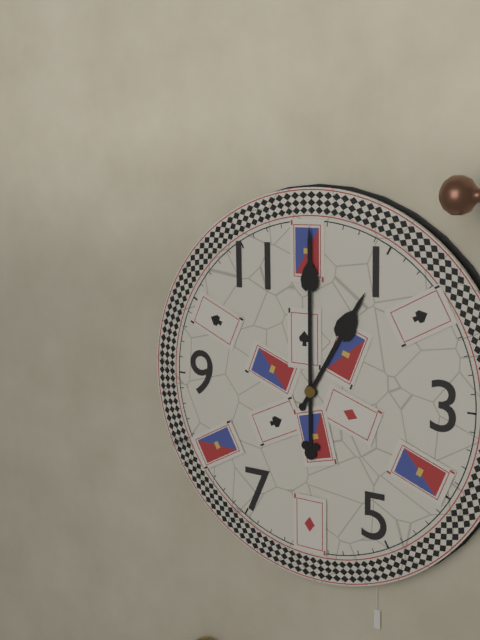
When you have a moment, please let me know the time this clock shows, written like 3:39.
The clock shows 1:00
